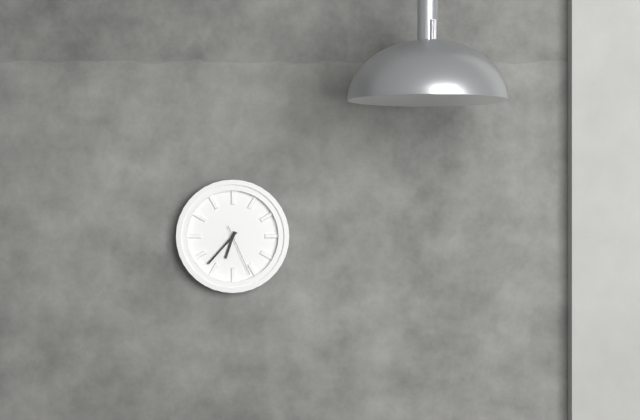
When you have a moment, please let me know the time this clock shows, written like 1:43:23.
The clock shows 6:37:26
